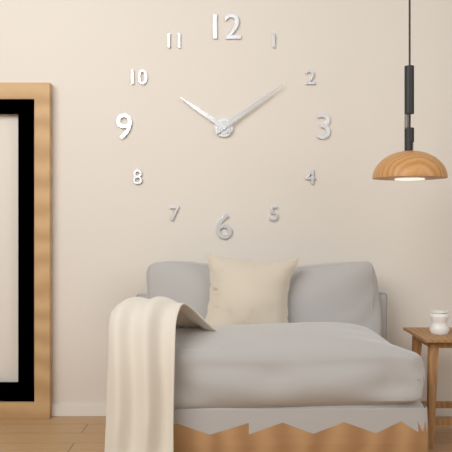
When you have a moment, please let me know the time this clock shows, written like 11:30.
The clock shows 10:09
